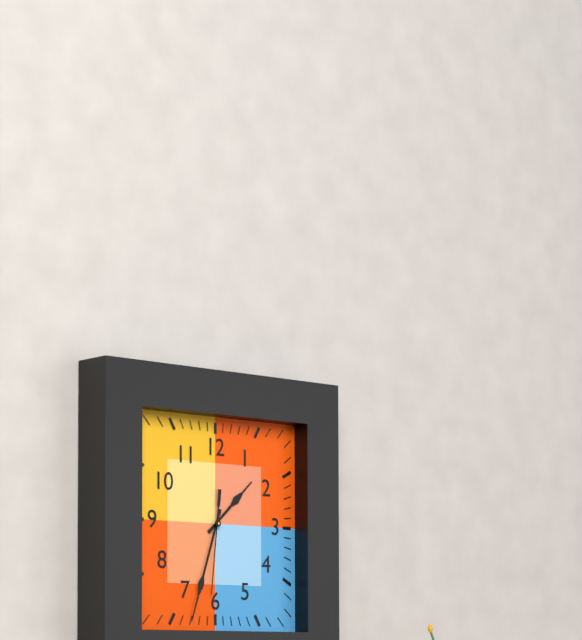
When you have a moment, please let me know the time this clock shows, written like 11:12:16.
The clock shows 1:33:31
